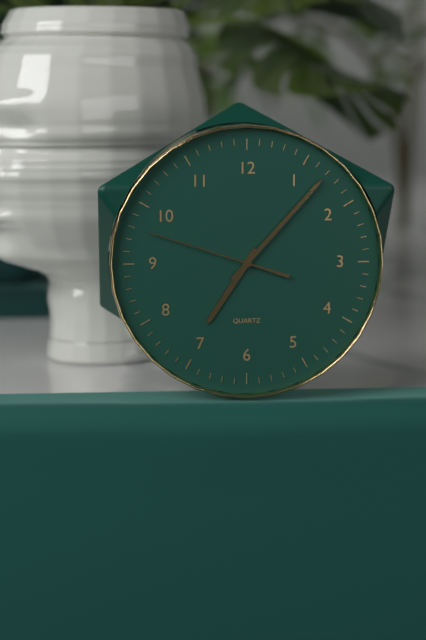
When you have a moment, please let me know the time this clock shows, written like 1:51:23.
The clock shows 7:07:48
